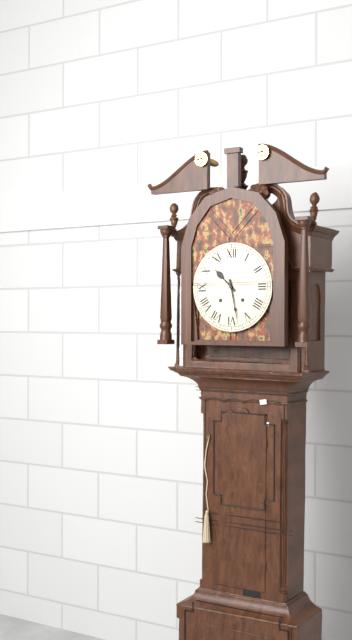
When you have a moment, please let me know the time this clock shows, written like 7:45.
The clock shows 10:28
